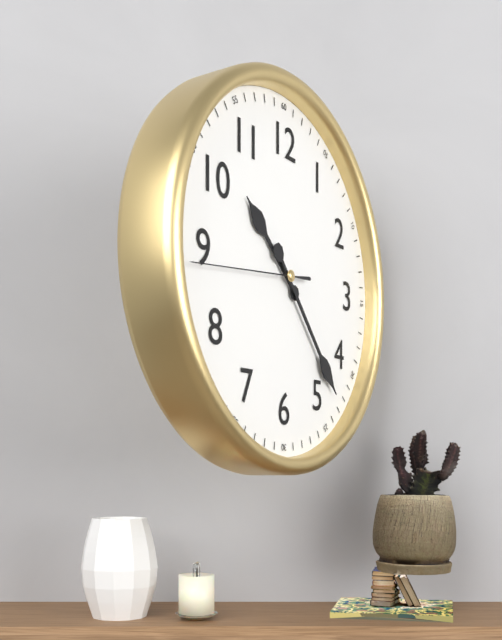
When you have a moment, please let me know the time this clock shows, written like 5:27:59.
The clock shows 10:23:44
